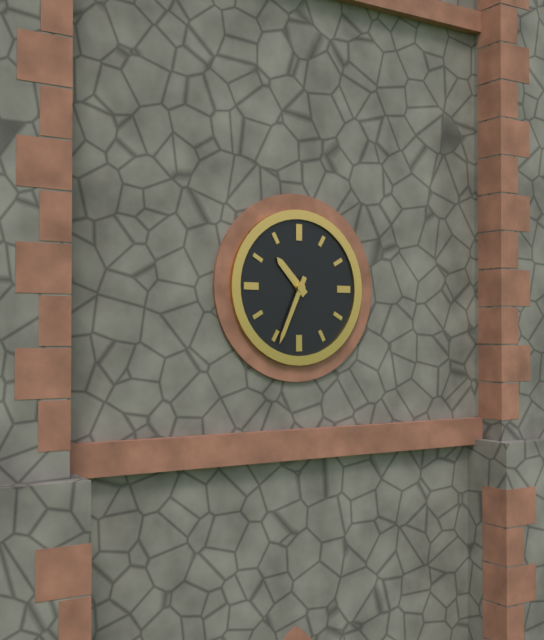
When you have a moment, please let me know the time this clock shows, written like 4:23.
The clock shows 10:34
